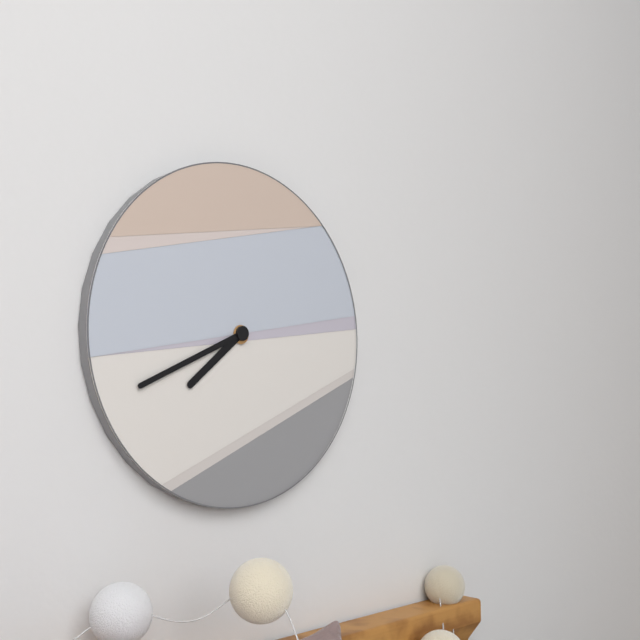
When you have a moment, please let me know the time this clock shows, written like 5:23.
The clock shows 7:41
